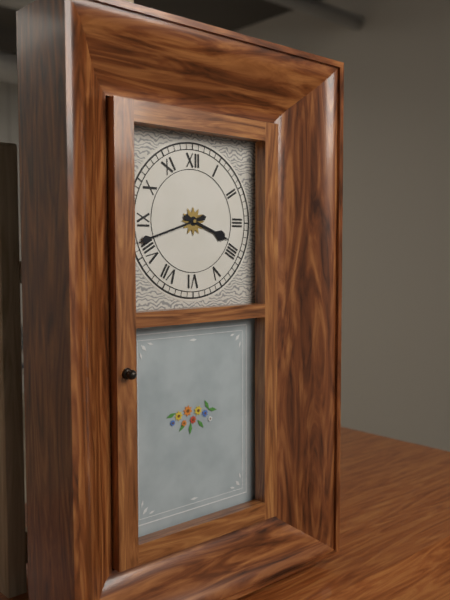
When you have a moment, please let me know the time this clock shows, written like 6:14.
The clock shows 3:42
